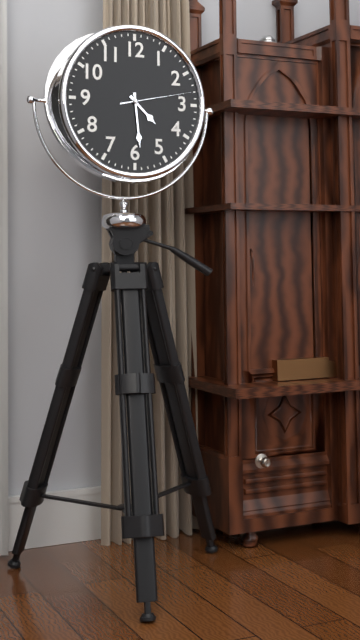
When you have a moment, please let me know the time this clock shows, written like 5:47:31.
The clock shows 4:29:13
